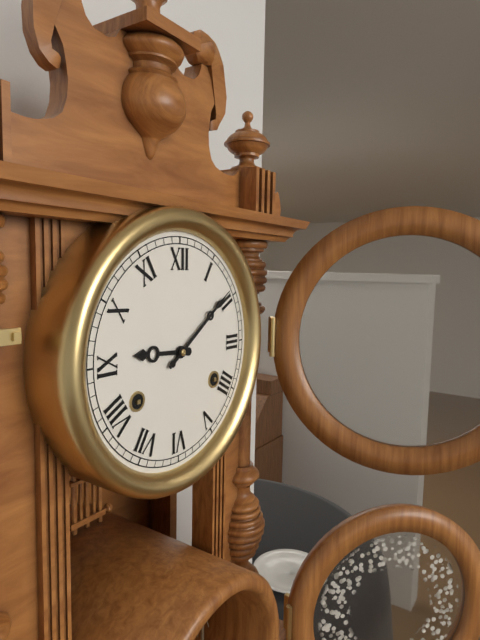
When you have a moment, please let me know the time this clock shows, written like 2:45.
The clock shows 9:09
